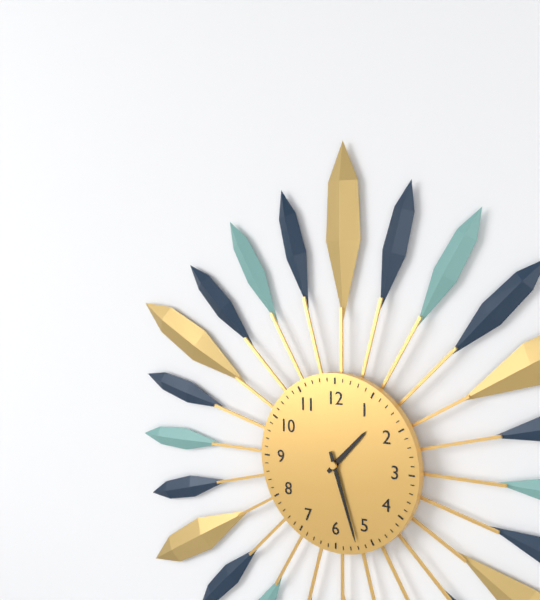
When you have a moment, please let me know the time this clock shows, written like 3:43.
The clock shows 1:27
